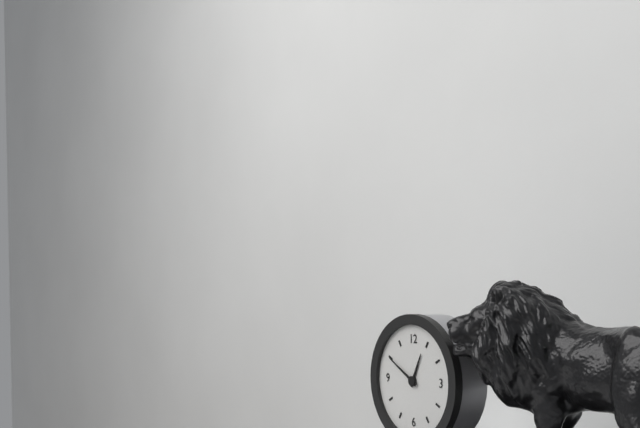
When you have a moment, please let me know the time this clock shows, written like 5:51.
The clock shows 12:50
